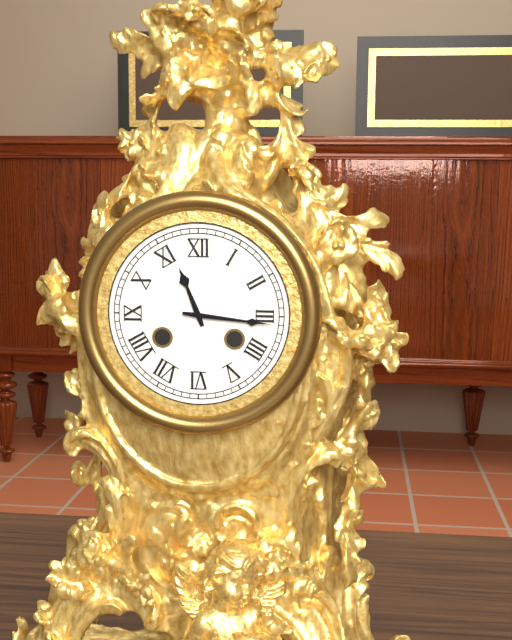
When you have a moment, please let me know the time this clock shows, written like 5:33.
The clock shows 11:16
